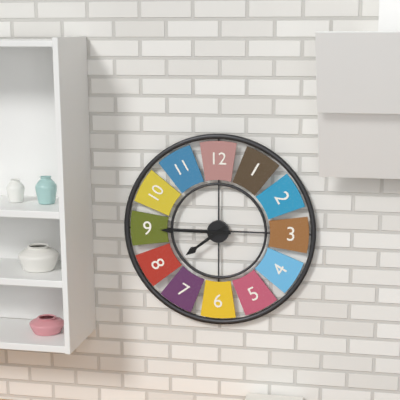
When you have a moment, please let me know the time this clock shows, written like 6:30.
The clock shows 7:45
